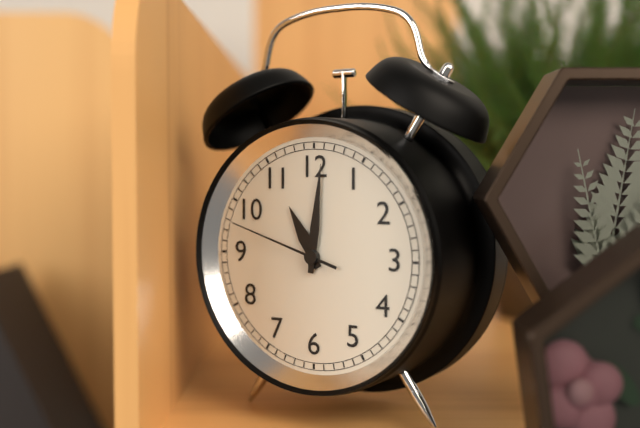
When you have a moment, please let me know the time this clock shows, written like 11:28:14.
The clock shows 11:01:48
